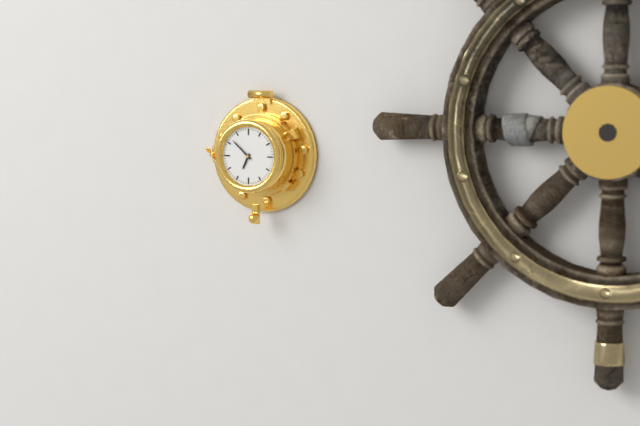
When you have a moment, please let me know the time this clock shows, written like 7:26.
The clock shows 6:52
